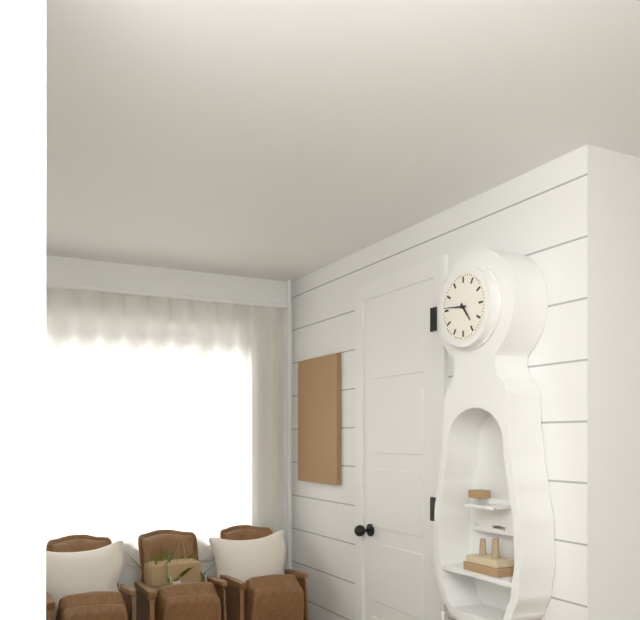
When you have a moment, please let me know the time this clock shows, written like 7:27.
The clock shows 4:46
